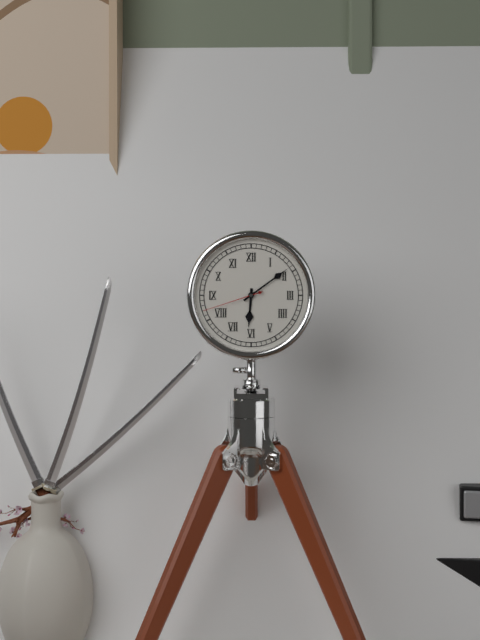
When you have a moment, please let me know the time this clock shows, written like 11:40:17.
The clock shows 6:09:42
